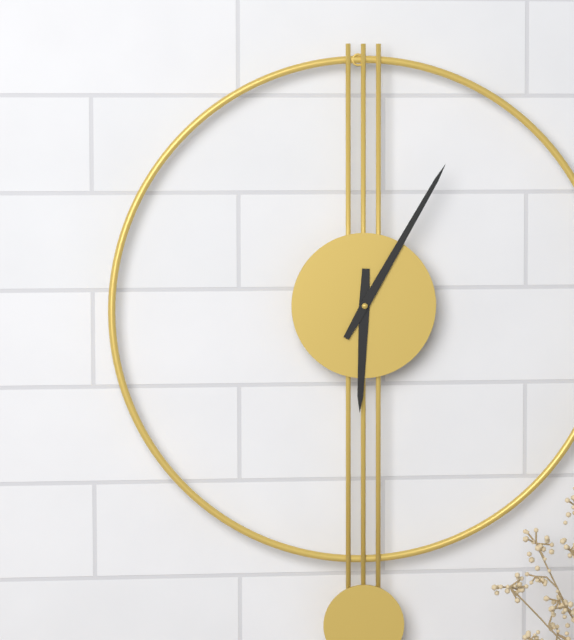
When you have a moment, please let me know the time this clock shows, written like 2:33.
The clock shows 6:05
